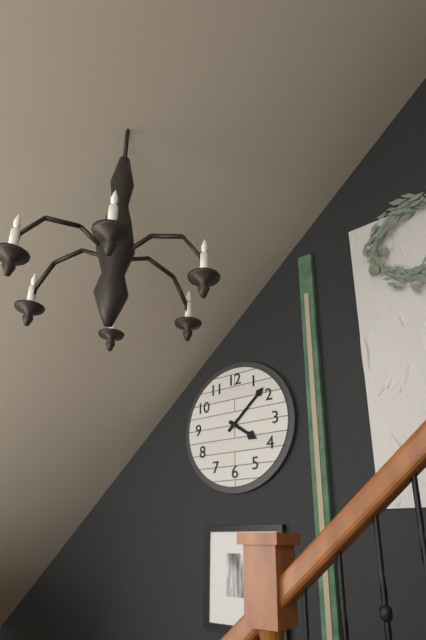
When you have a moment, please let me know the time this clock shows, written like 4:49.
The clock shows 4:08
